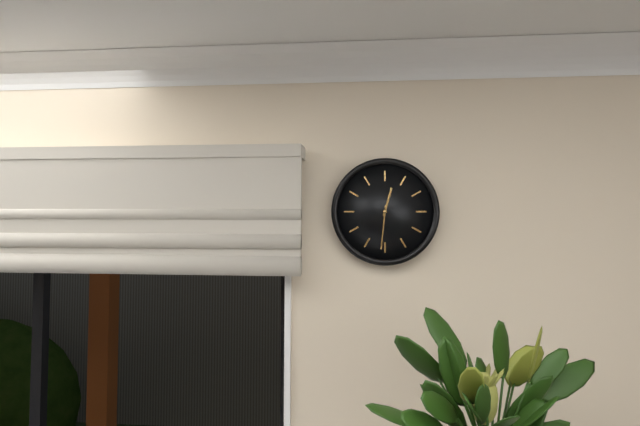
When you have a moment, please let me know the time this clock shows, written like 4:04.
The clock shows 12:31
